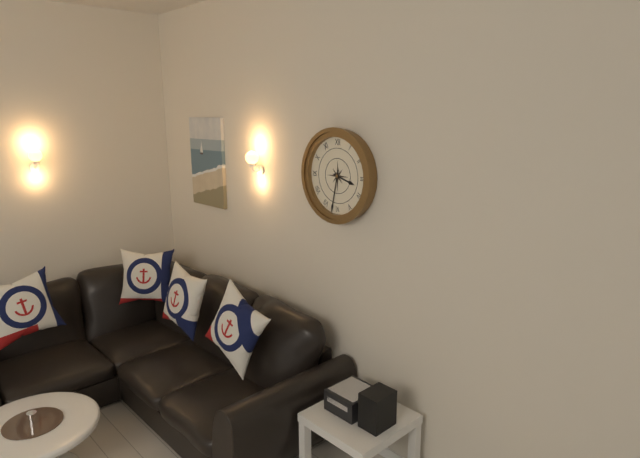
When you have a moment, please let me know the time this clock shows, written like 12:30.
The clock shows 3:32
